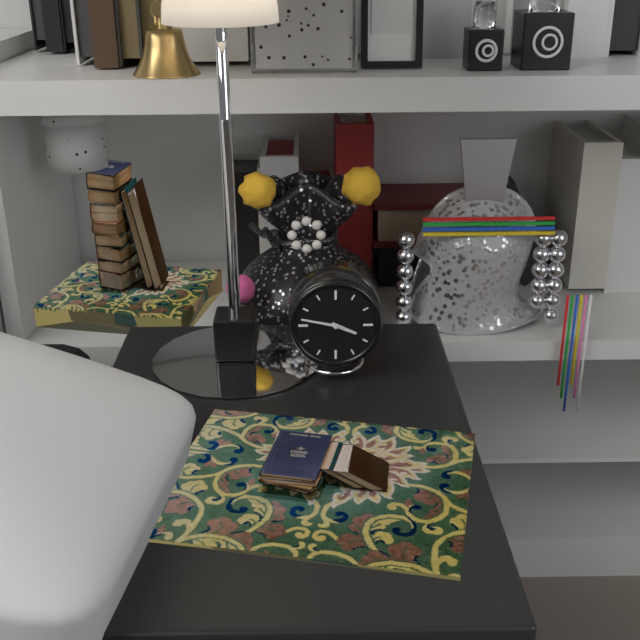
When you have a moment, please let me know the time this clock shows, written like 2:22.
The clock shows 3:47
